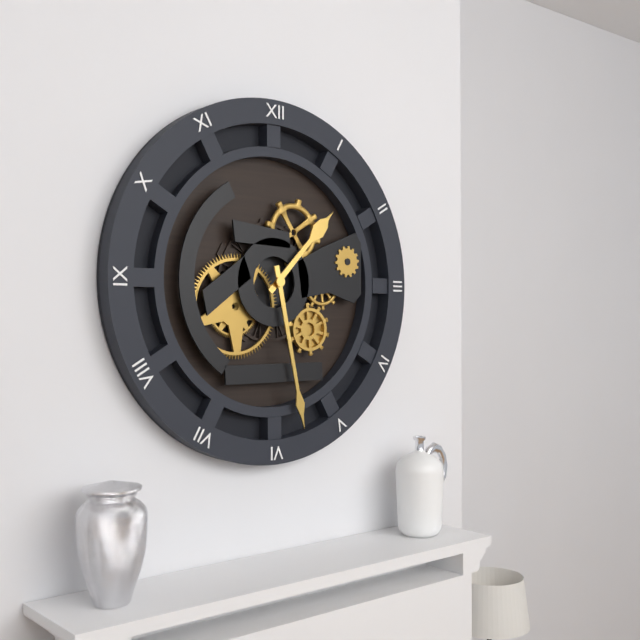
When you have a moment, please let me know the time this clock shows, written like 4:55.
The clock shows 1:28
